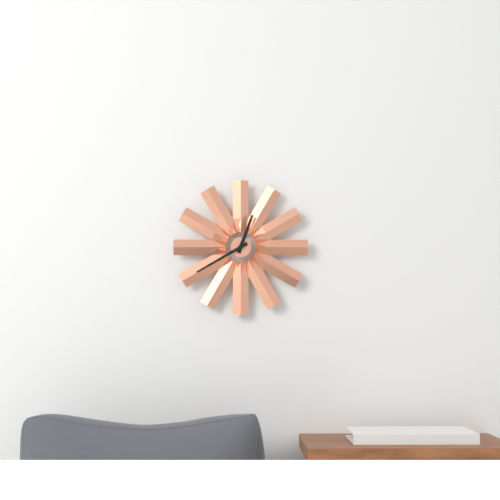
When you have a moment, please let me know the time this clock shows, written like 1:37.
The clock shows 12:40
